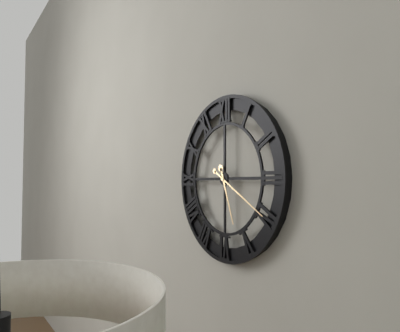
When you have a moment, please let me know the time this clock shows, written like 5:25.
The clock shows 5:20
